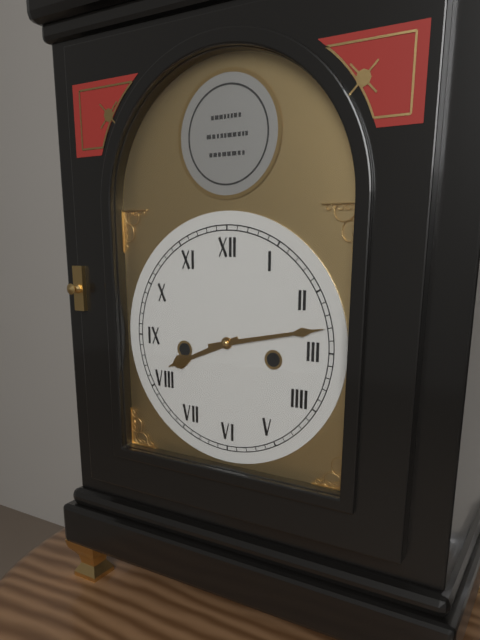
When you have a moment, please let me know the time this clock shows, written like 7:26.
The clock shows 8:13
